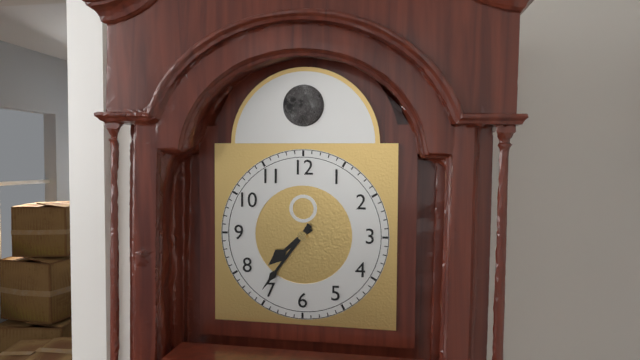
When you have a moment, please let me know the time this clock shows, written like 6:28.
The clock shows 7:36
